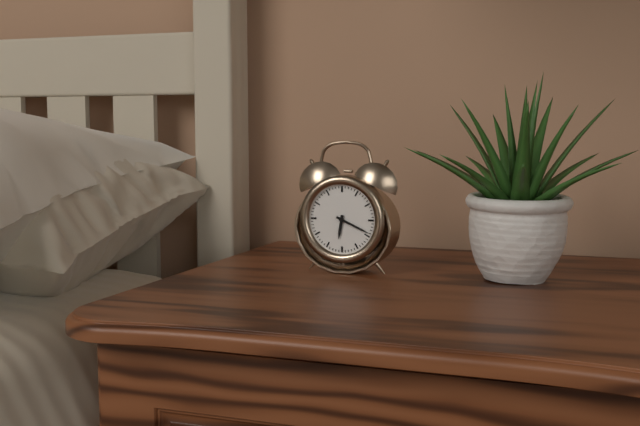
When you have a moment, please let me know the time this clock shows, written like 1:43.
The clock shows 6:19
